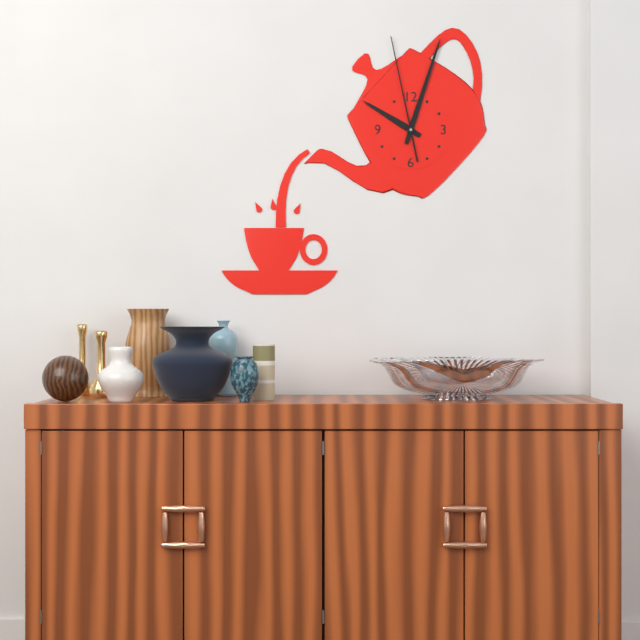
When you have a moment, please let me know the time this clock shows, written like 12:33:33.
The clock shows 10:03:58
